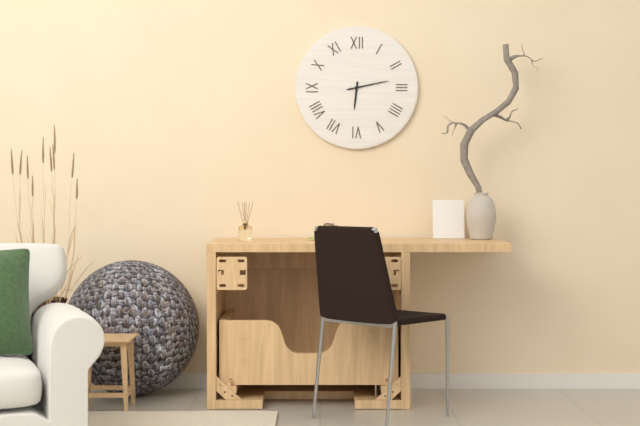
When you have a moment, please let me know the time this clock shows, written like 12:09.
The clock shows 6:13
